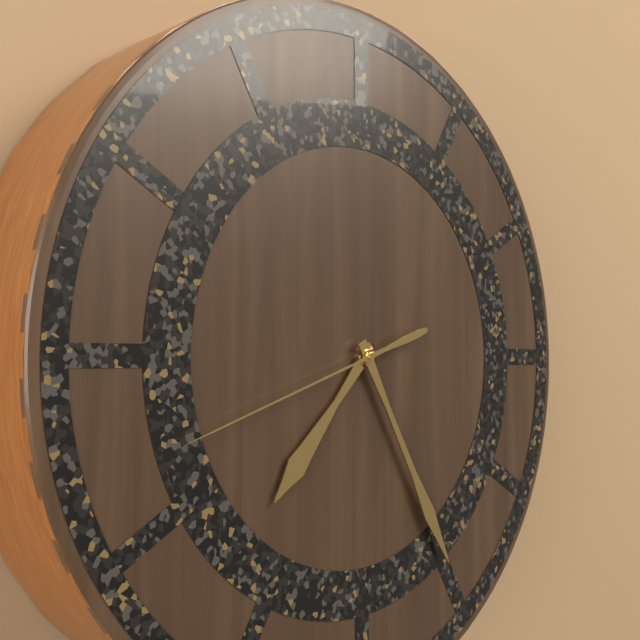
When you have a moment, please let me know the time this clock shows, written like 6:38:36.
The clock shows 7:25:42
